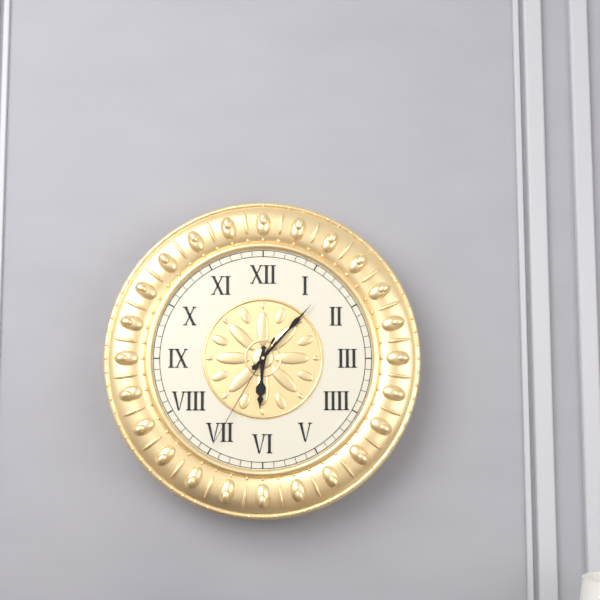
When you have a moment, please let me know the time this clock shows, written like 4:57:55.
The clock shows 6:07:35
